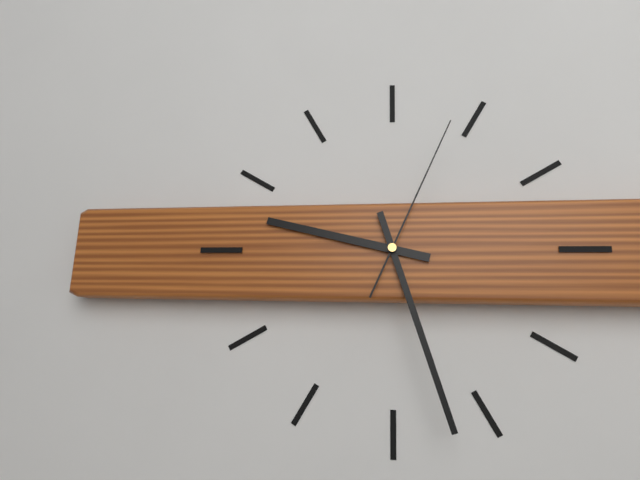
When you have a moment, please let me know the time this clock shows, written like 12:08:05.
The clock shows 9:27:04
